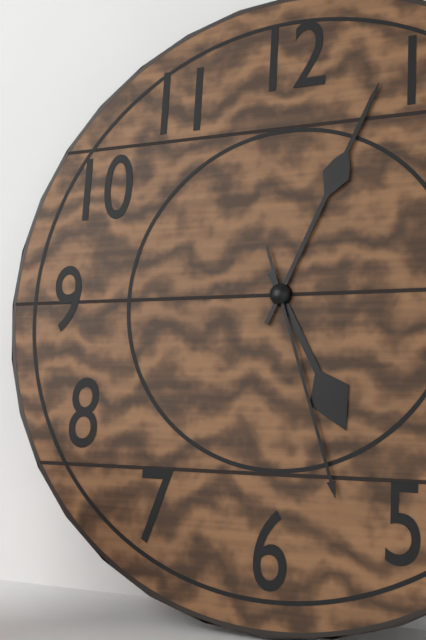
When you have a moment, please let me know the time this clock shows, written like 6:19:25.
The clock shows 5:04:27
